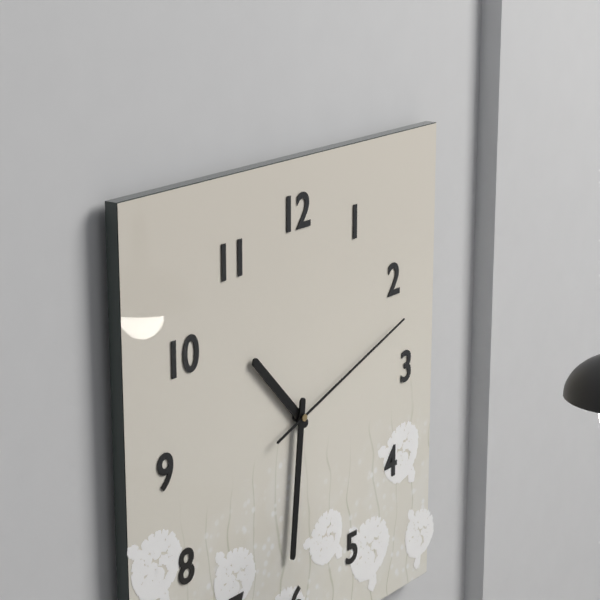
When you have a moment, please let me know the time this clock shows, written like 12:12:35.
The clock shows 10:31:12
